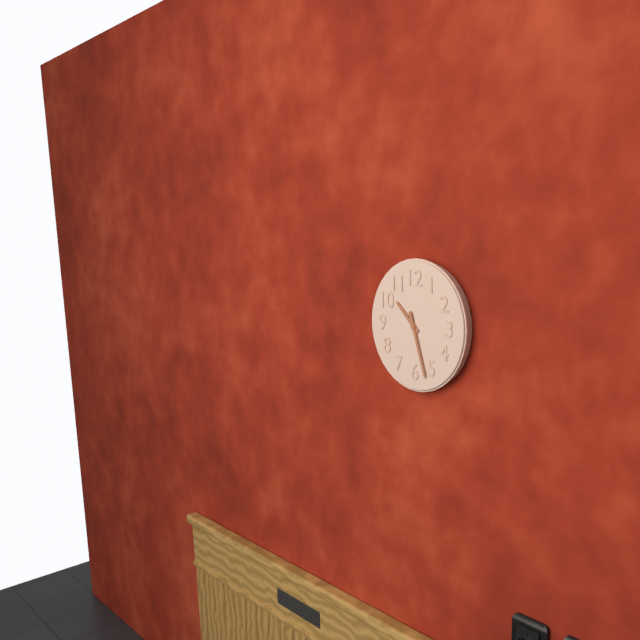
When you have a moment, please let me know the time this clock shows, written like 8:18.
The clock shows 10:27
